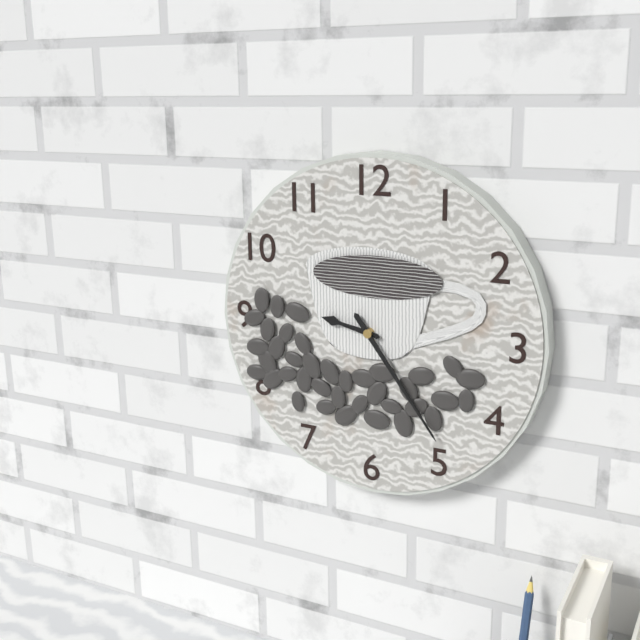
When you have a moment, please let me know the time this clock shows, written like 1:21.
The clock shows 9:24
